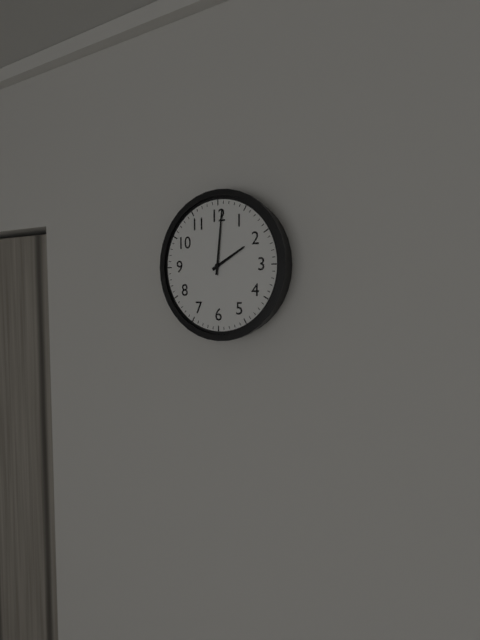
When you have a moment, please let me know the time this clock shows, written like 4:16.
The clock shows 2:01
